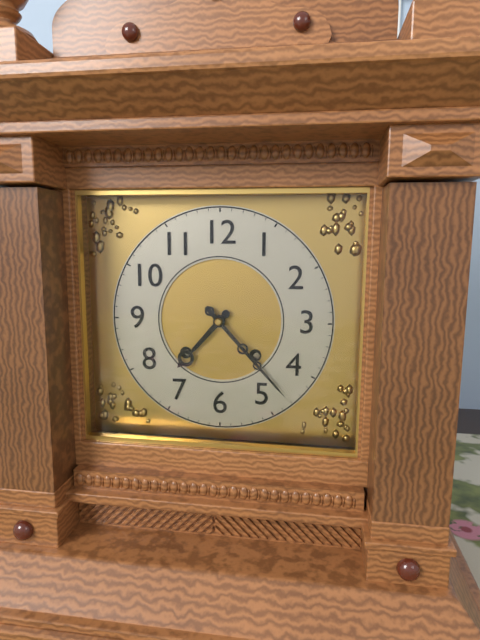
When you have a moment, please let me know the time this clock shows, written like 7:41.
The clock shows 7:23
